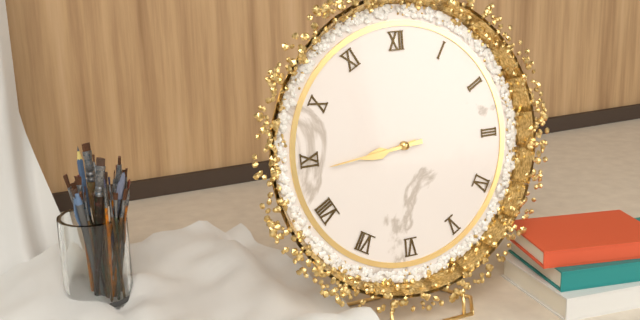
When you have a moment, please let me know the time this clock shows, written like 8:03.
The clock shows 8:44
